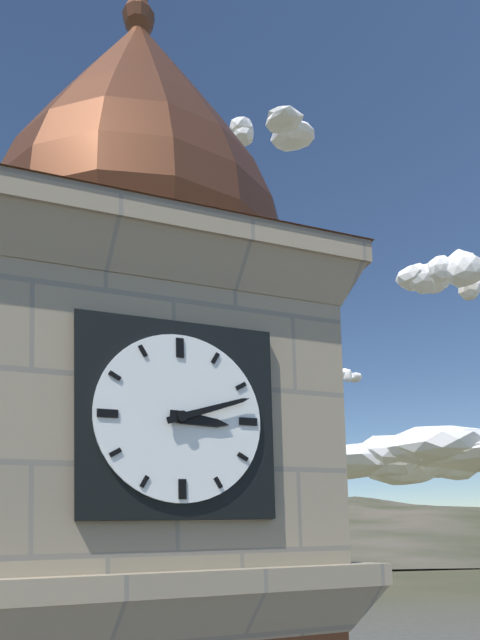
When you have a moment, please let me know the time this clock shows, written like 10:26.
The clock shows 3:12
